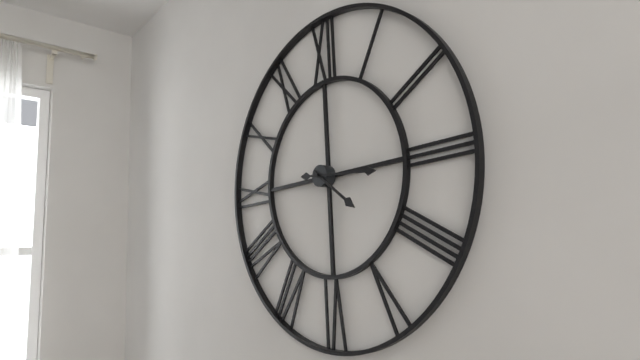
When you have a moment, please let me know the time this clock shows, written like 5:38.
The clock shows 4:16
